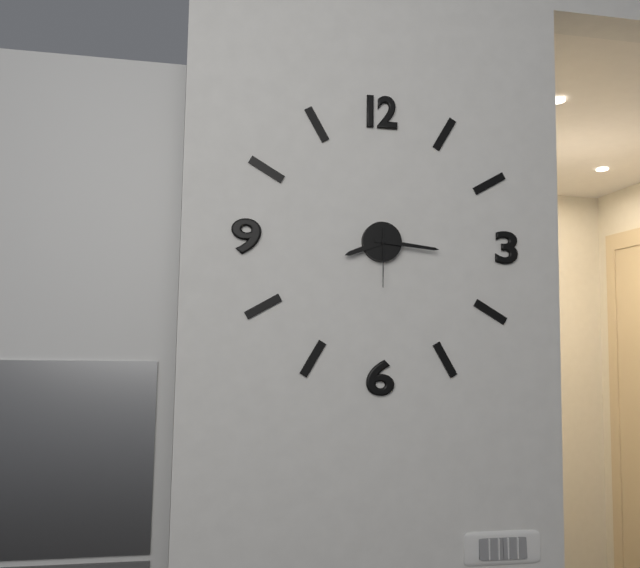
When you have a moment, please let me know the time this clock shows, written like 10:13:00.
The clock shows 8:16:30
